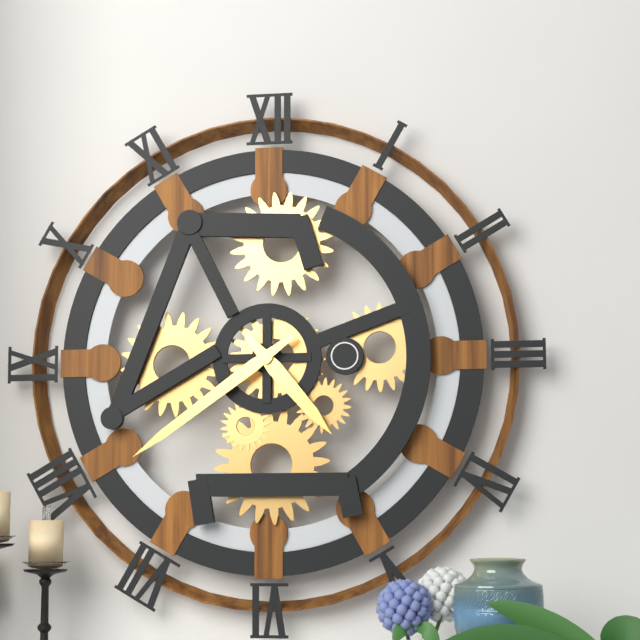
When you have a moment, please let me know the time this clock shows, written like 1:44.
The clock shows 4:39
